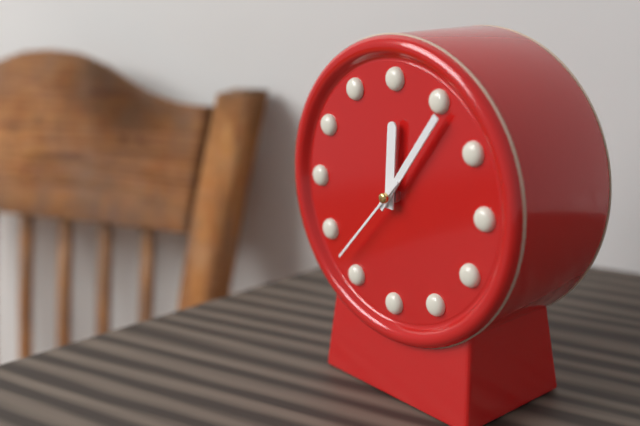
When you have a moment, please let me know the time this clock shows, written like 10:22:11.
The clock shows 12:06:37
